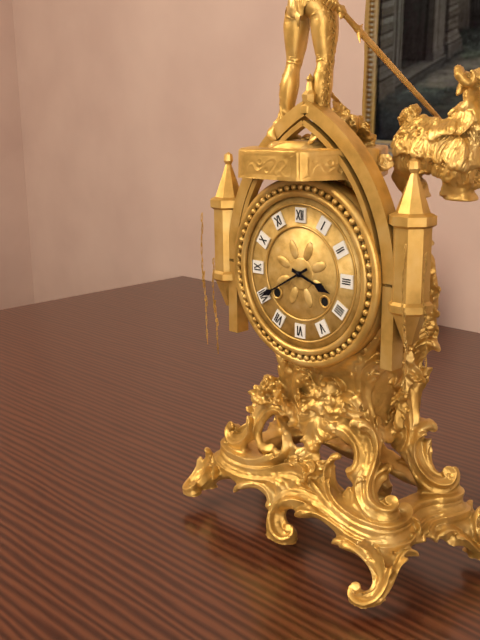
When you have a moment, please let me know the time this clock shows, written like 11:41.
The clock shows 3:40
